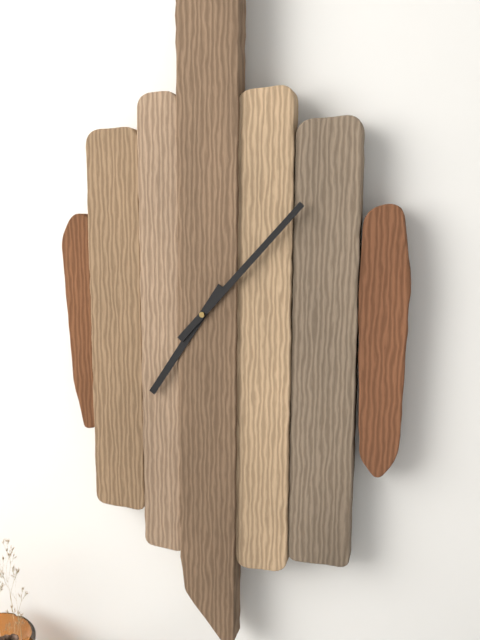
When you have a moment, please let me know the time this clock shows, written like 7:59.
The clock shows 7:07
